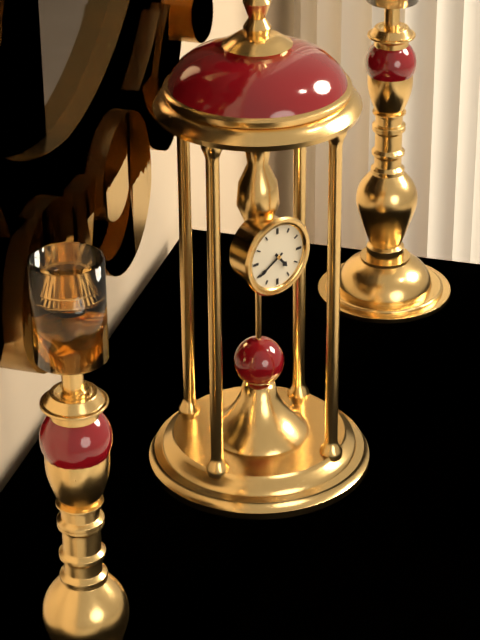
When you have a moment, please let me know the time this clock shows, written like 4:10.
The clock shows 4:40
